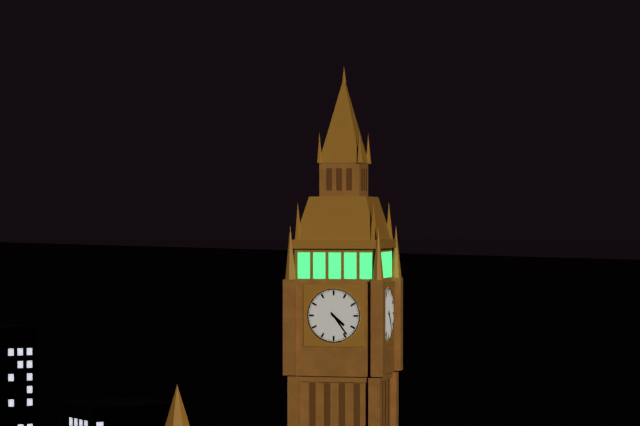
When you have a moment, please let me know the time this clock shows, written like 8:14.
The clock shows 4:24
